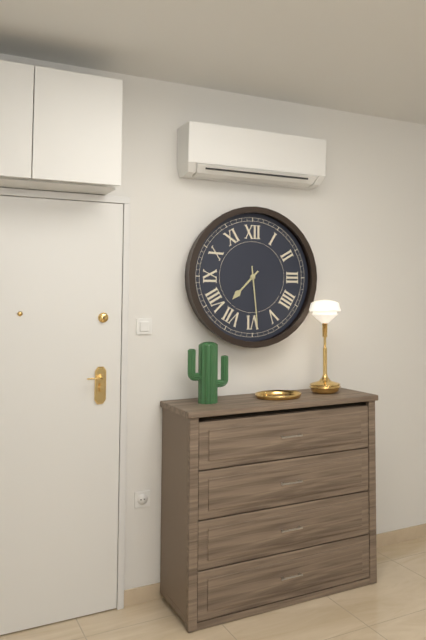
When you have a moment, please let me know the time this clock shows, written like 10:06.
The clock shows 7:29
